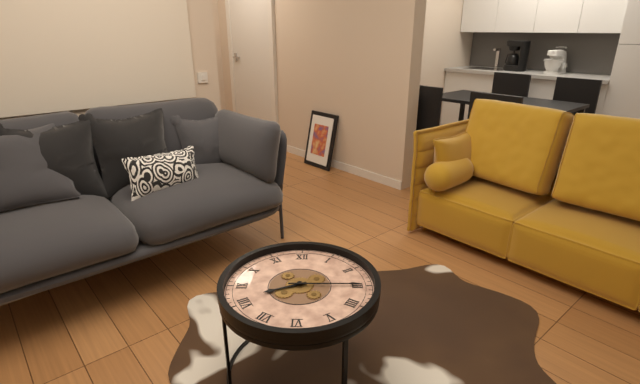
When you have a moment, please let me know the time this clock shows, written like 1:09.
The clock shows 8:15
